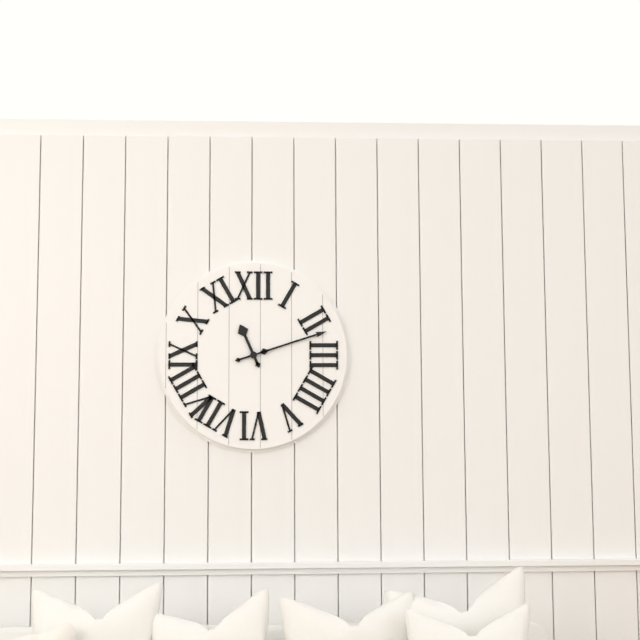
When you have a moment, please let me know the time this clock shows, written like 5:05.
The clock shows 11:12
